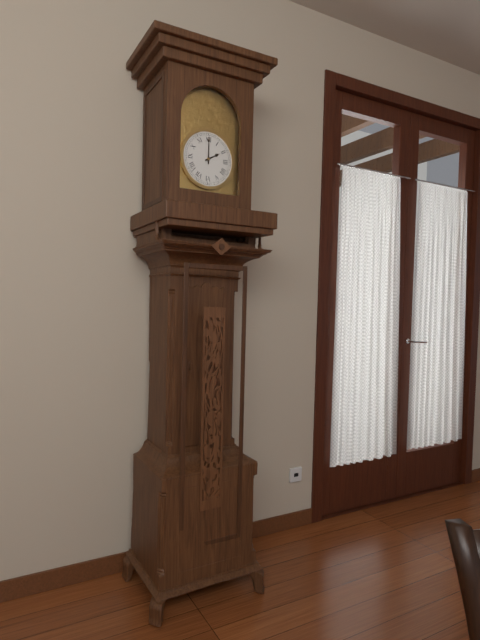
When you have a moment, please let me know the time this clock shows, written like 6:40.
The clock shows 2:00
